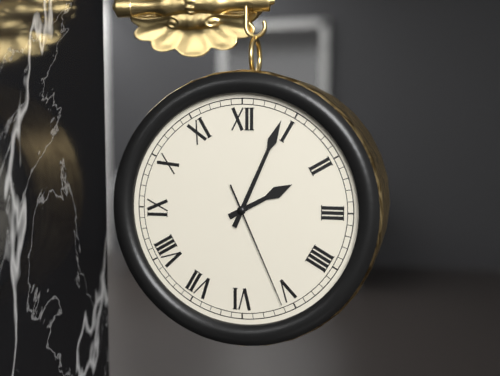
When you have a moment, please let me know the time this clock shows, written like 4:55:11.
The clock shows 2:04:26
